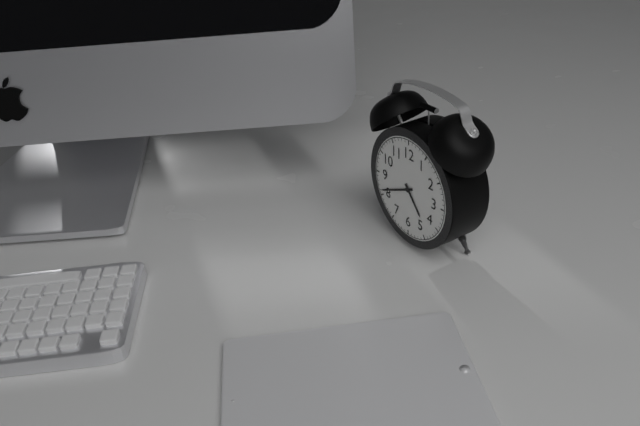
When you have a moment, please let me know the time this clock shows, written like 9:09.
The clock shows 4:41
